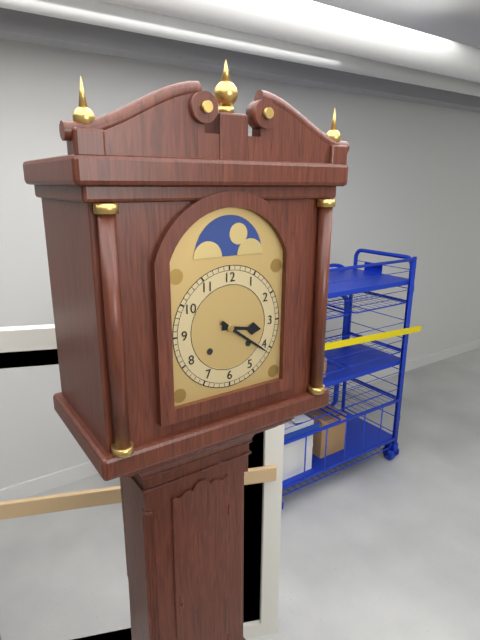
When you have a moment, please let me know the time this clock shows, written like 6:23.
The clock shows 3:21
